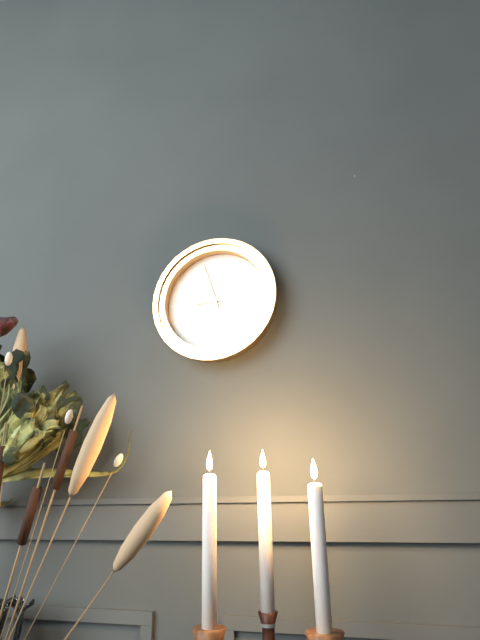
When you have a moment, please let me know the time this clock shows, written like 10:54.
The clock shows 8:57
